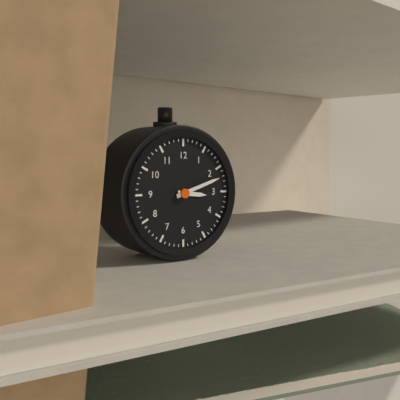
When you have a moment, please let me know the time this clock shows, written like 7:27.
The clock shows 3:12
